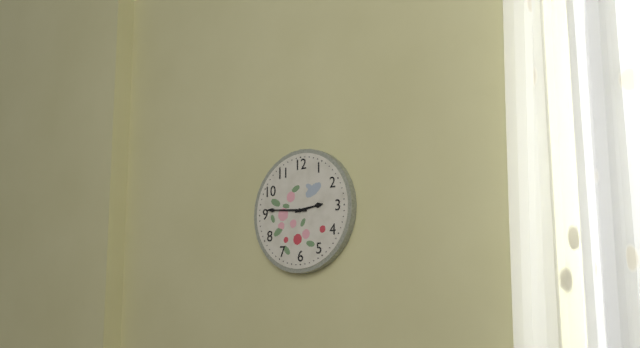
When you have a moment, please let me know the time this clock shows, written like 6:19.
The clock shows 2:46
